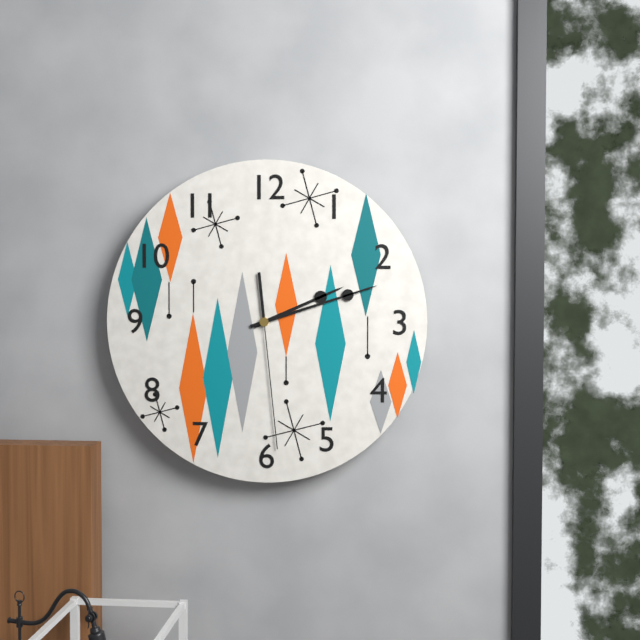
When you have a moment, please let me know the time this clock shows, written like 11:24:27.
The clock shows 2:12:29
